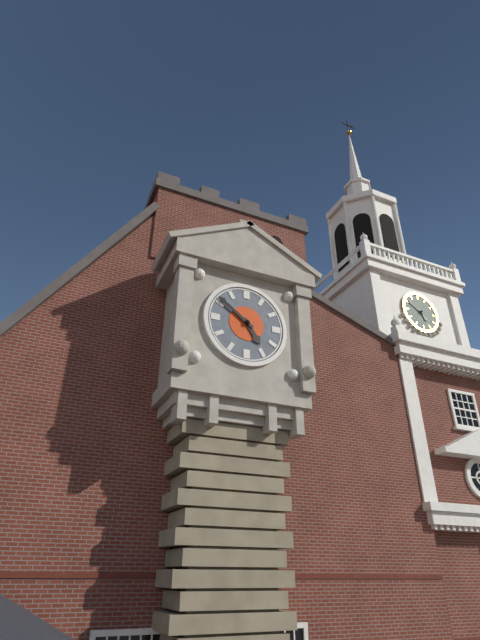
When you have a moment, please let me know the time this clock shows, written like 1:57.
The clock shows 4:51
